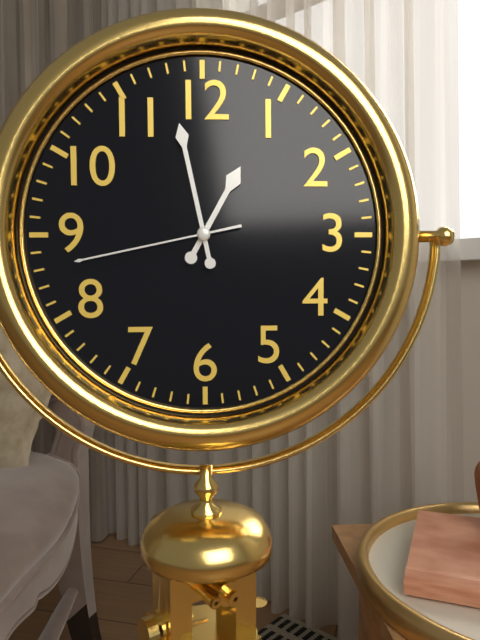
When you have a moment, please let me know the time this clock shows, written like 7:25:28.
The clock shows 12:58:43
